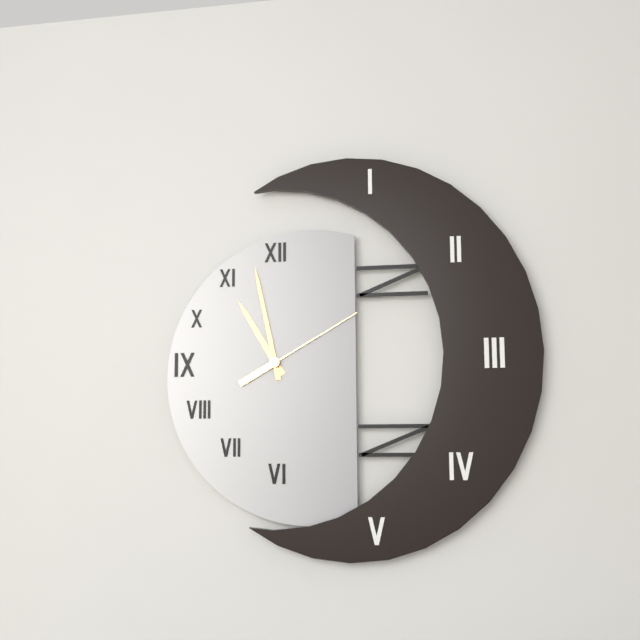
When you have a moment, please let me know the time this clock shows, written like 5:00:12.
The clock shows 10:58:10
